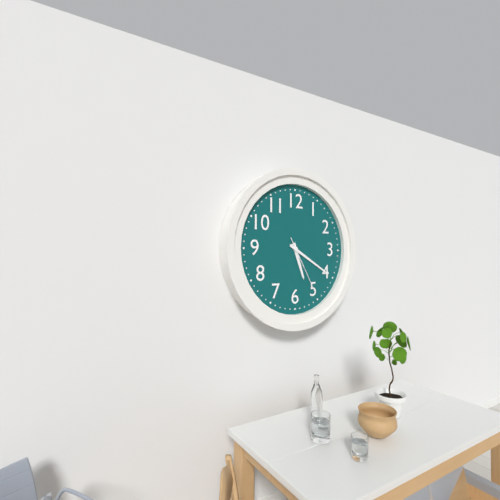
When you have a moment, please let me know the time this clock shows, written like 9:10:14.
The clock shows 5:20:25
